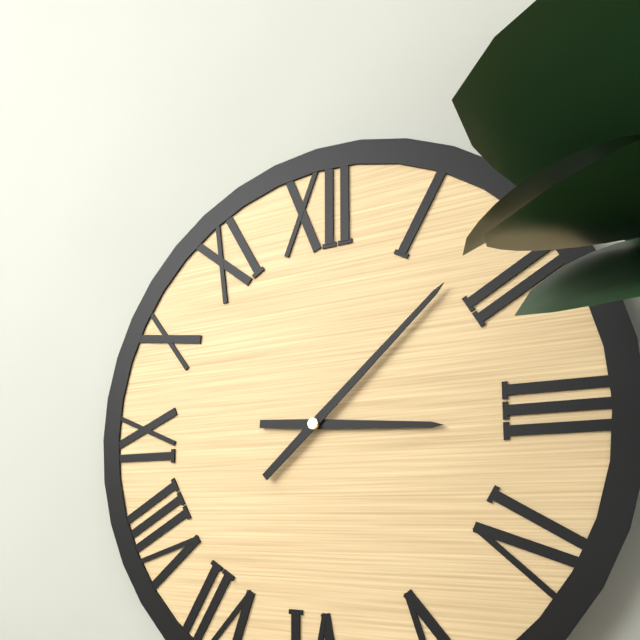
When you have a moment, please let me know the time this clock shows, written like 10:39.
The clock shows 3:08
